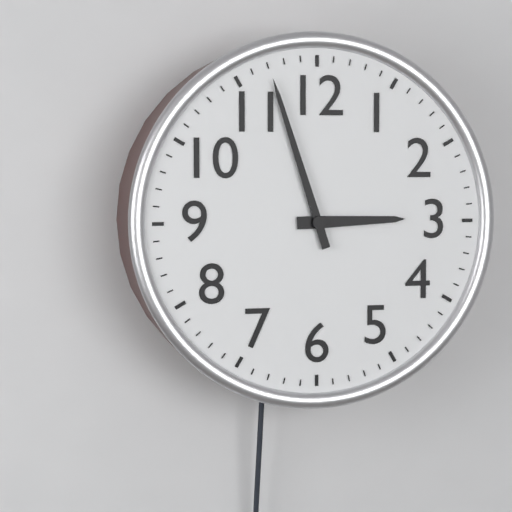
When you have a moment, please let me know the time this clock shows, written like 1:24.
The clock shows 2:57
